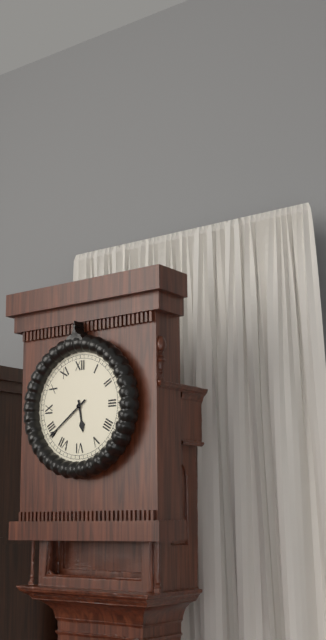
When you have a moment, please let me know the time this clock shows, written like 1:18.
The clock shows 5:39
